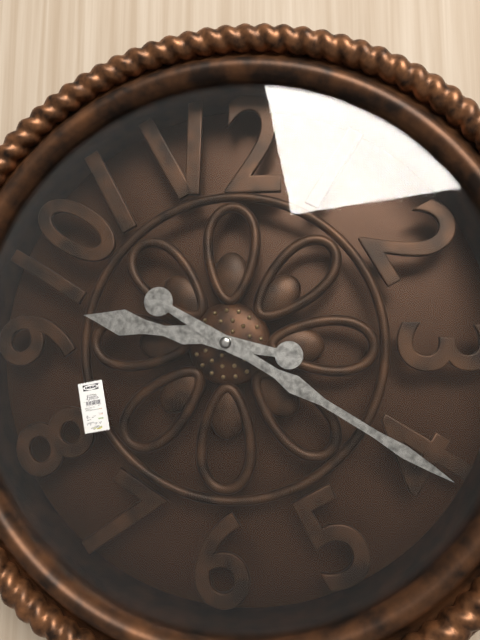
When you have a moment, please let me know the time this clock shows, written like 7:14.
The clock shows 9:20
